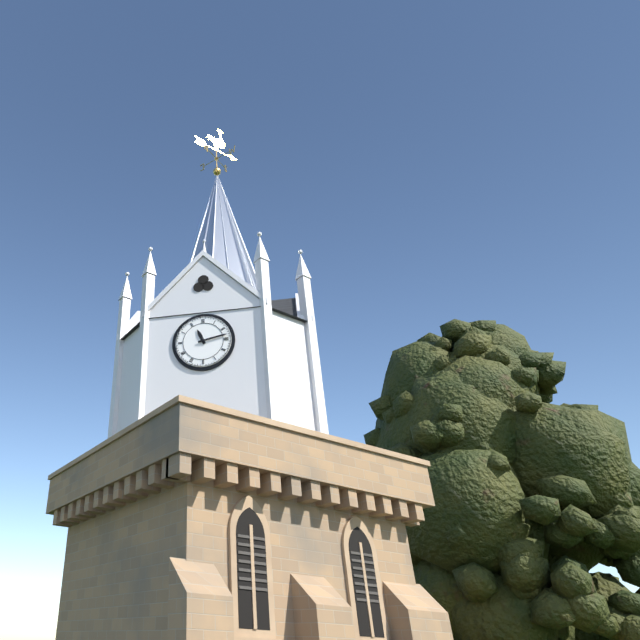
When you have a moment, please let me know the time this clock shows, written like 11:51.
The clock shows 11:13
